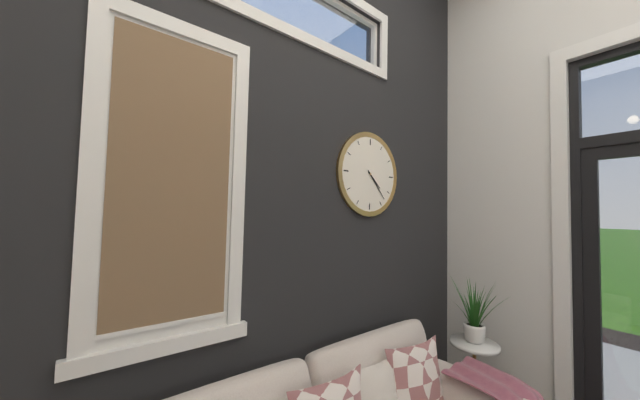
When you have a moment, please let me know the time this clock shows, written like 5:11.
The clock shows 4:23
